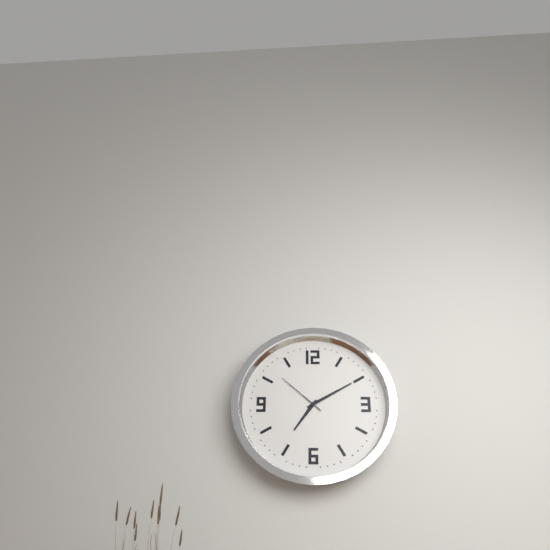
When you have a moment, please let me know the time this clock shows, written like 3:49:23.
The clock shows 7:10:52
